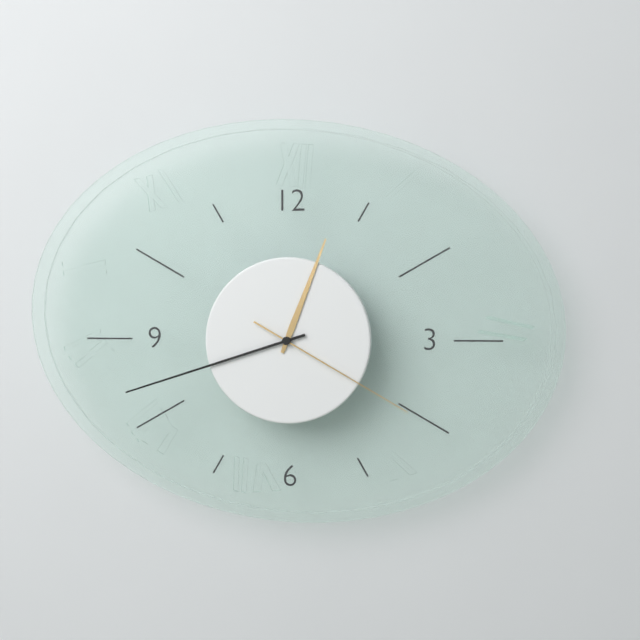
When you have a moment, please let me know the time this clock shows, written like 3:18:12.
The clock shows 12:42:20
